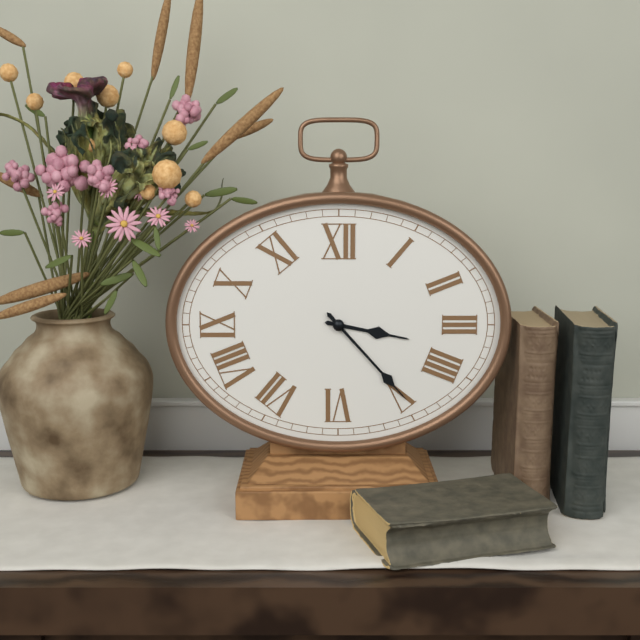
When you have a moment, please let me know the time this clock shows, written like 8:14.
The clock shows 3:23
